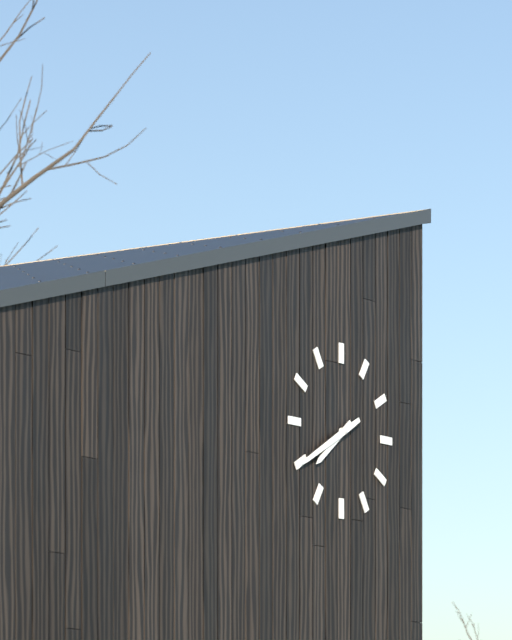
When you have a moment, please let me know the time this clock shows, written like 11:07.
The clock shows 7:40
